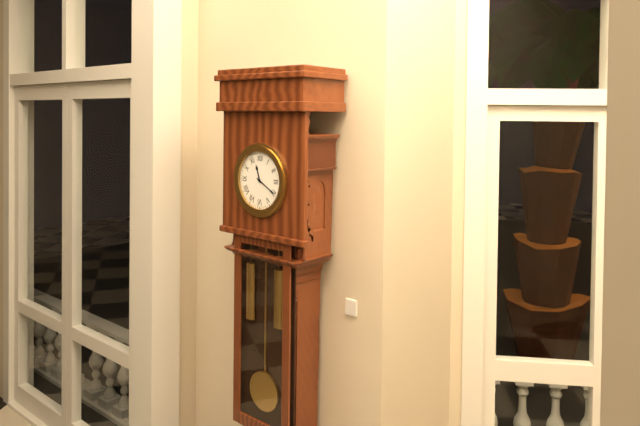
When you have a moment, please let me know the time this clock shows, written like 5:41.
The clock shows 11:20
